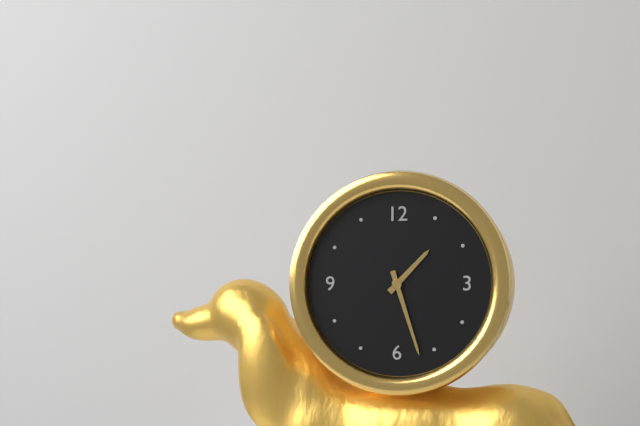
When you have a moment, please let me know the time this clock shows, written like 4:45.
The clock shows 1:27
